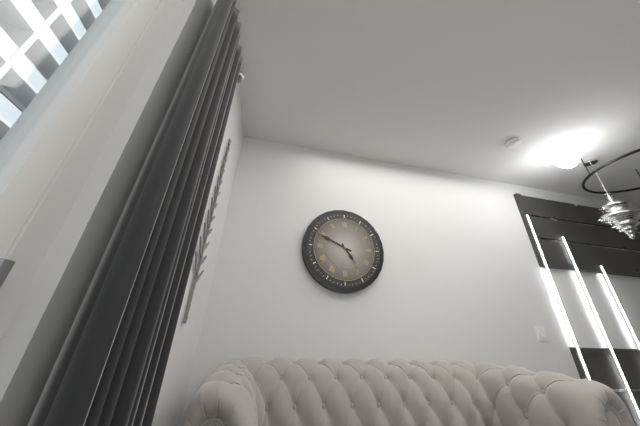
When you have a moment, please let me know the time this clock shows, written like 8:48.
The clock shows 4:49
